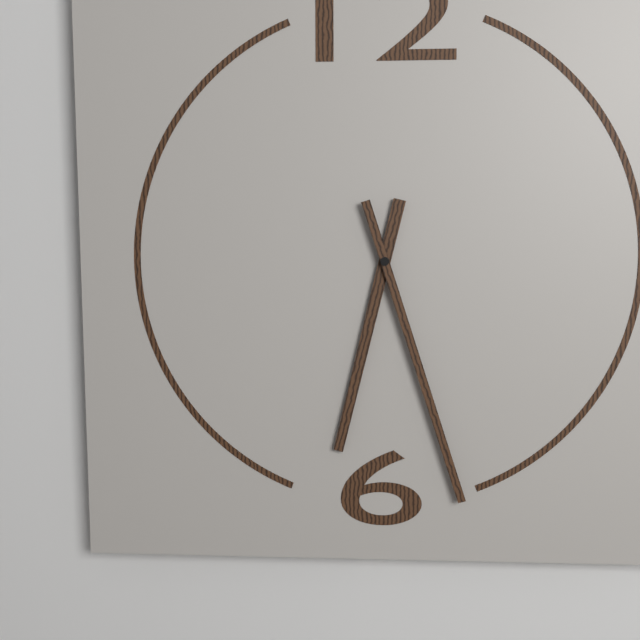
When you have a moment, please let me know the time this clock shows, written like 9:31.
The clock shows 6:27
